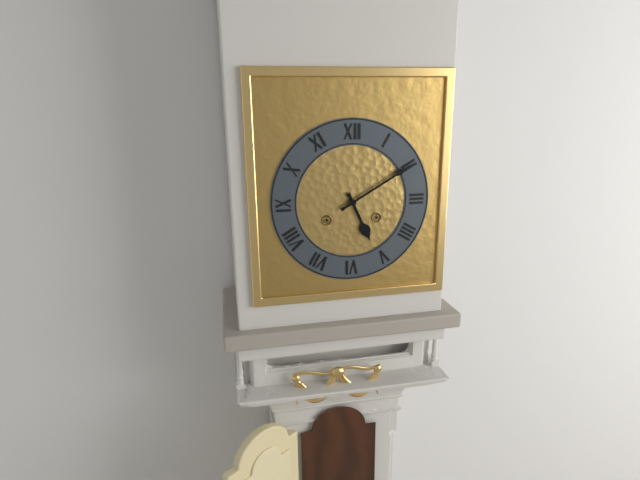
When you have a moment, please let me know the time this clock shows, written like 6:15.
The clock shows 5:10
